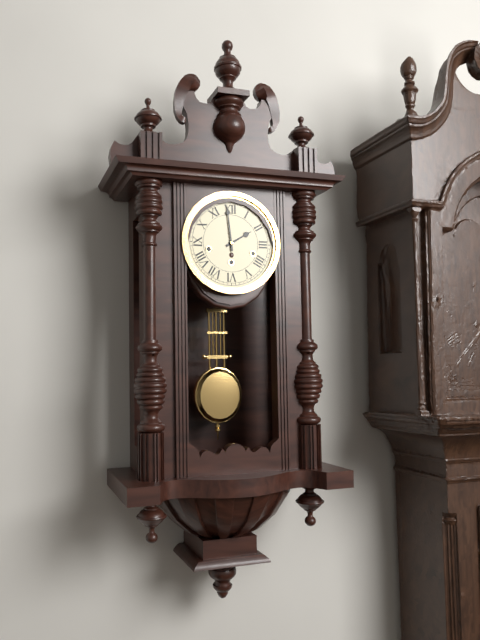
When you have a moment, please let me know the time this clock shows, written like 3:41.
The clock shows 1:59
